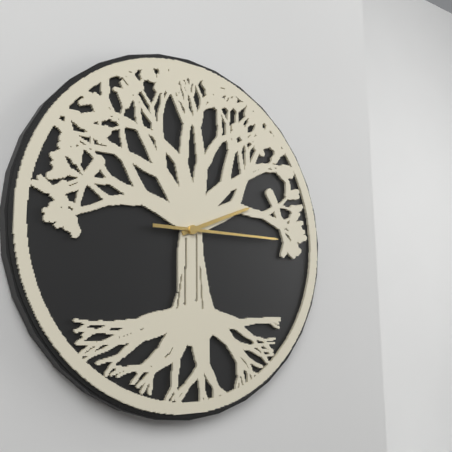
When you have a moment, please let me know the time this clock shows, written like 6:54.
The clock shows 2:15
